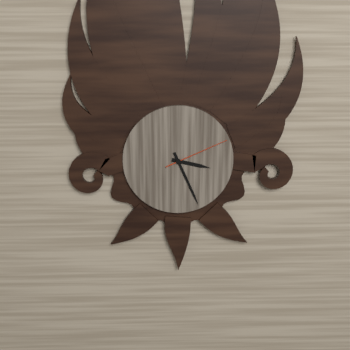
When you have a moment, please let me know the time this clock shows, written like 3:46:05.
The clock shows 3:26:11
